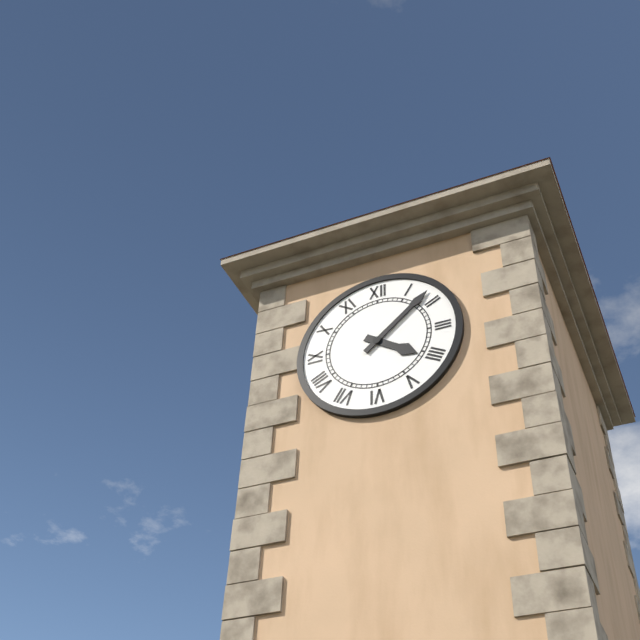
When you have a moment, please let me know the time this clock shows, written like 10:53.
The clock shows 4:08
